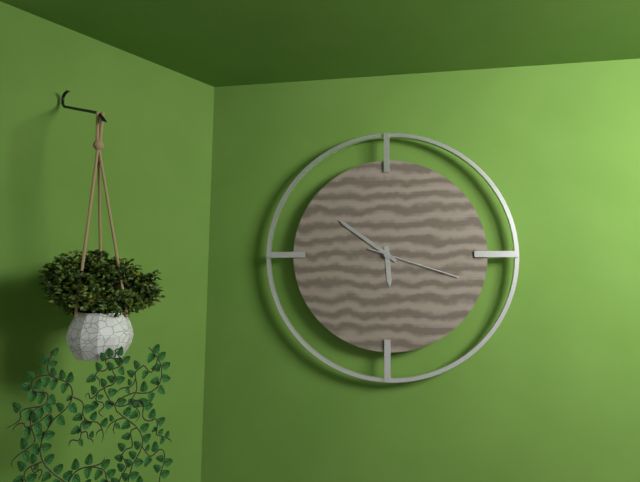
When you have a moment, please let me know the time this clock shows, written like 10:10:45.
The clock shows 5:51:18
